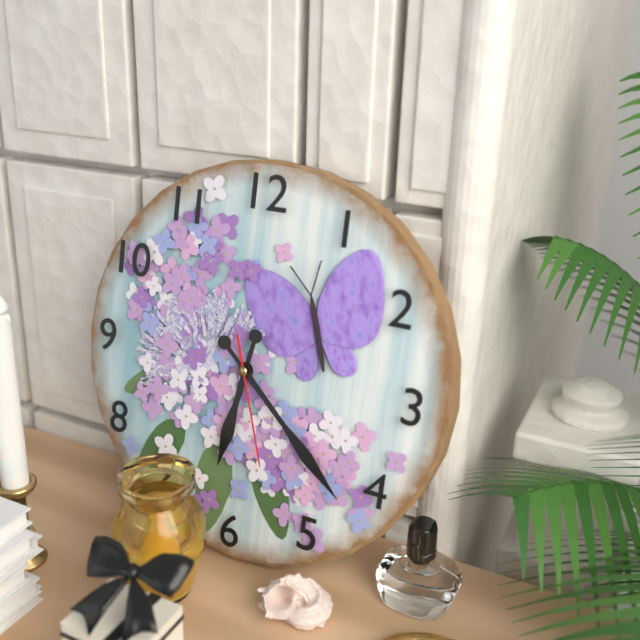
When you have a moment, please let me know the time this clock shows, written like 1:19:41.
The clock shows 6:22:27
